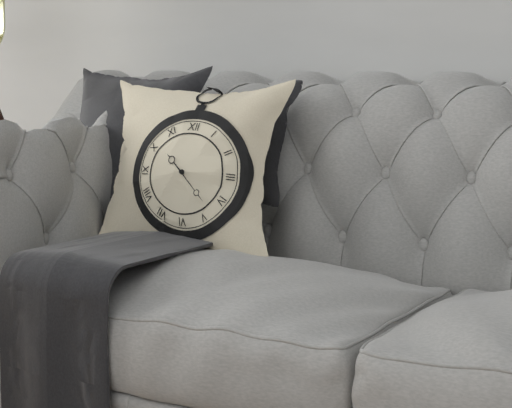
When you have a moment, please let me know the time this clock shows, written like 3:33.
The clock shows 10:22
